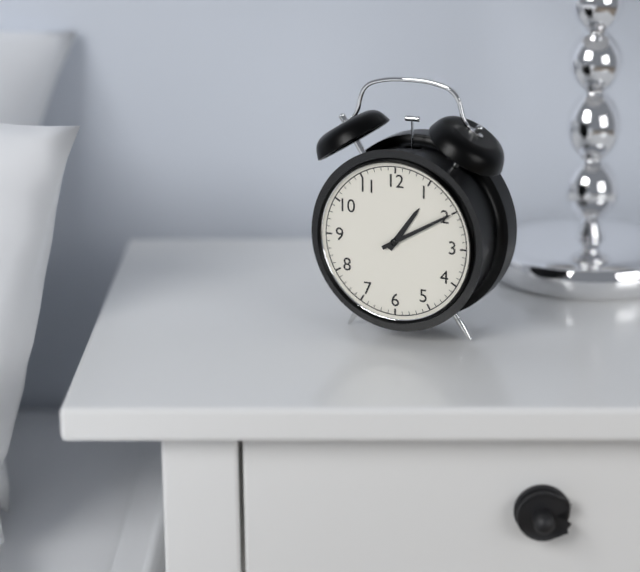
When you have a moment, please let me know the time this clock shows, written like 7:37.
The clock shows 1:10
